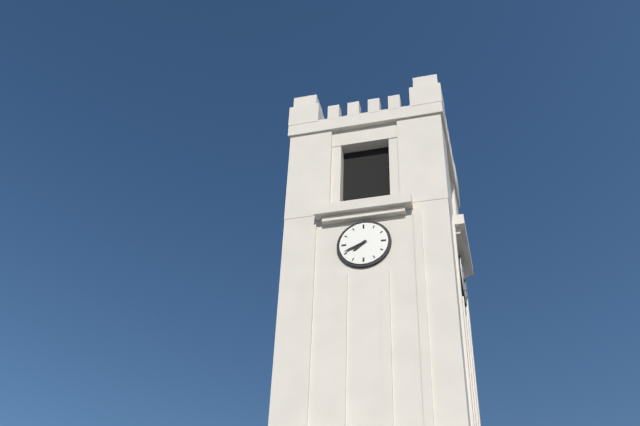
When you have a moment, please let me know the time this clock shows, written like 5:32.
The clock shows 7:41
